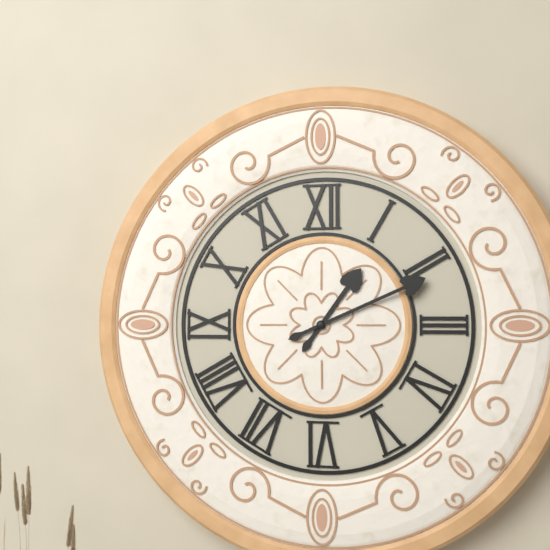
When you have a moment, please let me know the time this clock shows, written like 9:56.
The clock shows 1:11
